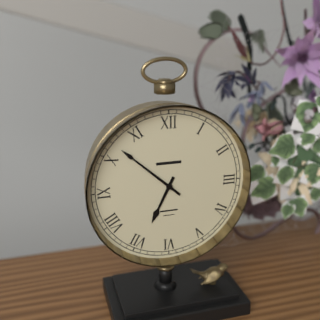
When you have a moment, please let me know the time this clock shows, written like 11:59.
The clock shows 6:52
